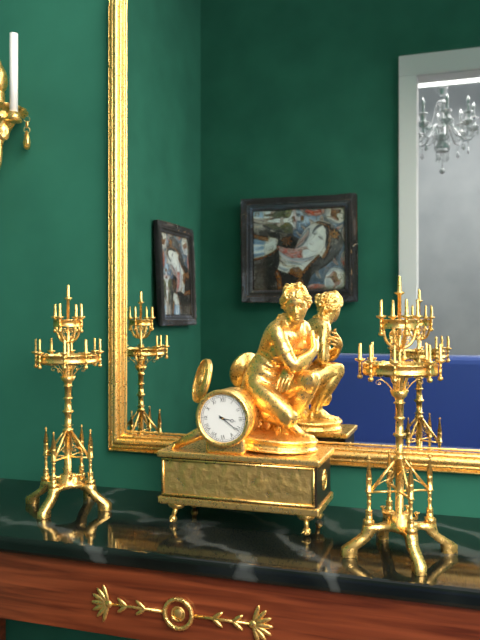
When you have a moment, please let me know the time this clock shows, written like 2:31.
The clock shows 3:21
